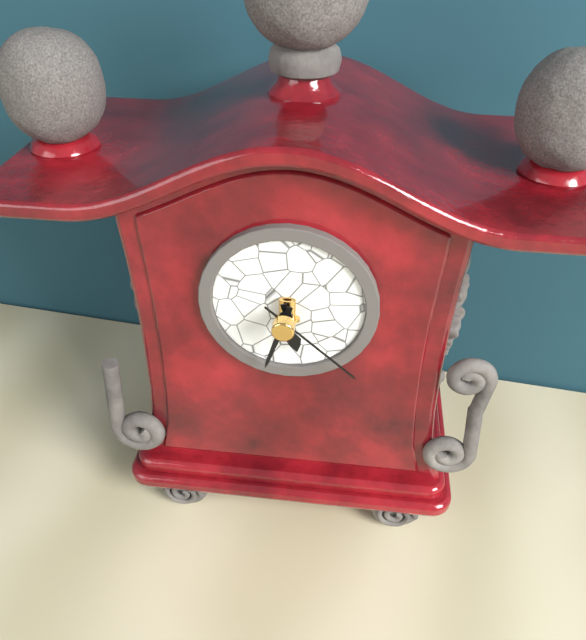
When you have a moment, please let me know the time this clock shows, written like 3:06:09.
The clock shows 5:33:22
